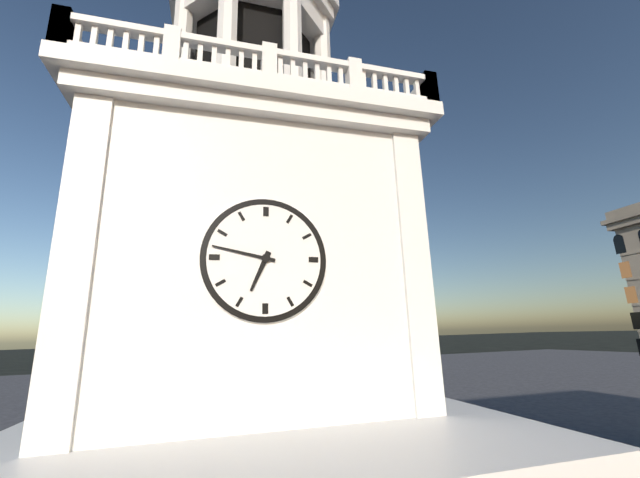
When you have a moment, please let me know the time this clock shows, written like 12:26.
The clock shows 6:47
